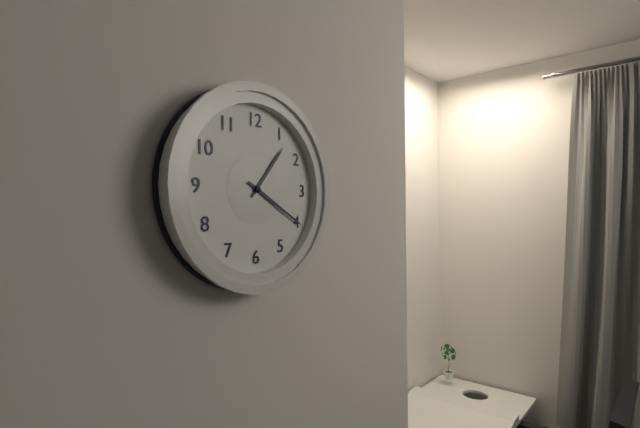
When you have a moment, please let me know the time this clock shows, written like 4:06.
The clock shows 1:20
